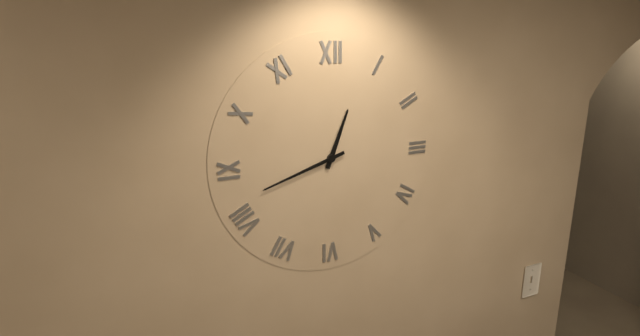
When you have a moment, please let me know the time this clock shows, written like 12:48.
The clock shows 12:42
